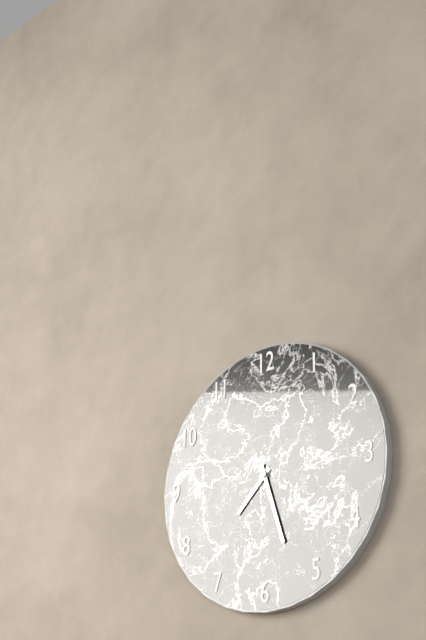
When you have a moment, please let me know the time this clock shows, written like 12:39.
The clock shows 7:27
